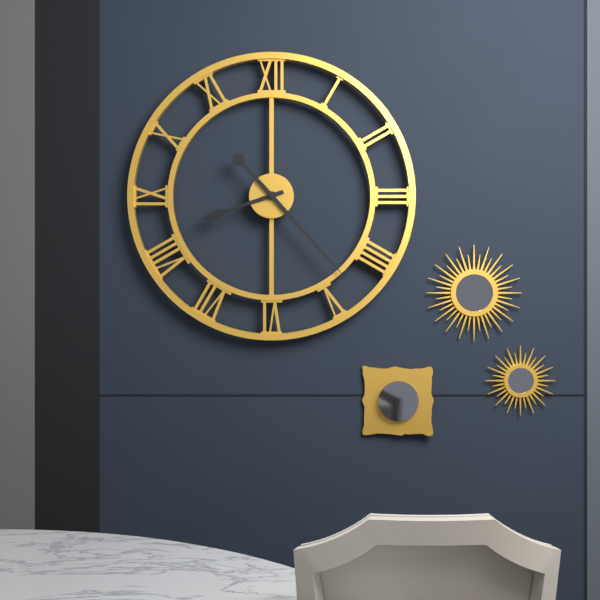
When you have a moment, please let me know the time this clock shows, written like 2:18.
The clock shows 8:23
